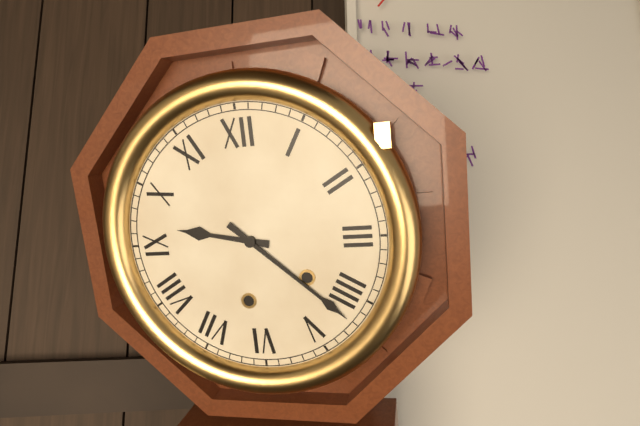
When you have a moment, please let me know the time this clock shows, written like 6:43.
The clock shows 9:22
